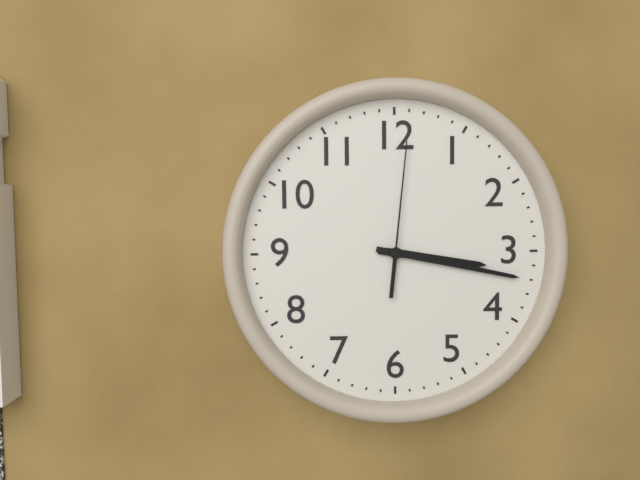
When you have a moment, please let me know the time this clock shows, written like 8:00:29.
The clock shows 3:17:01
